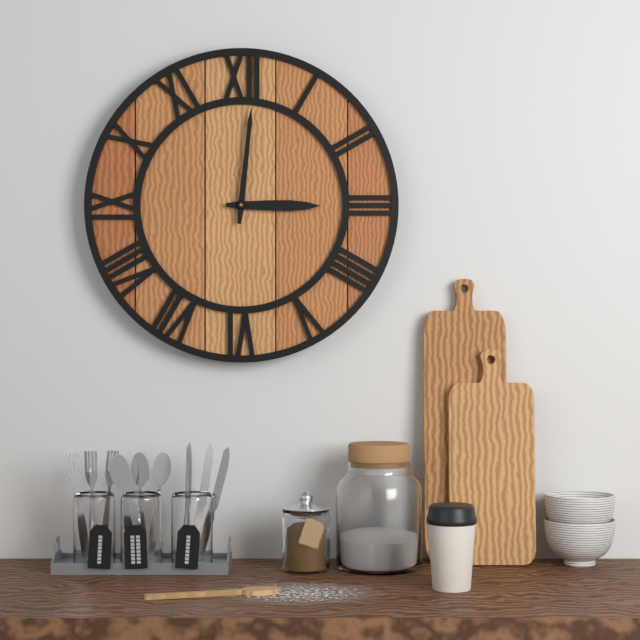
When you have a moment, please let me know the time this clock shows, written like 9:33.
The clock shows 3:01
